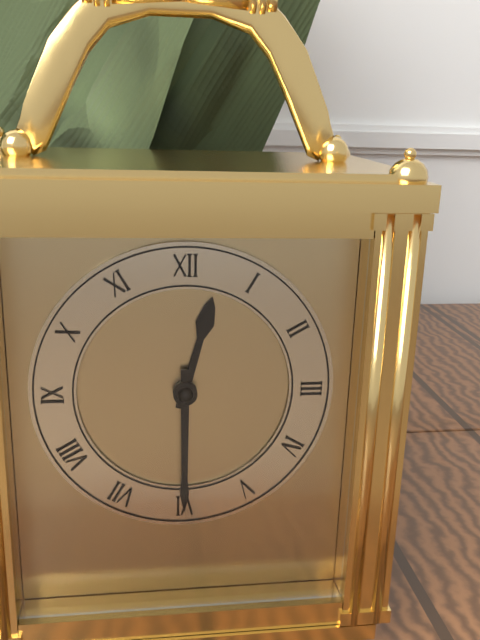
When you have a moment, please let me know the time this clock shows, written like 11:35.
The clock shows 12:30
